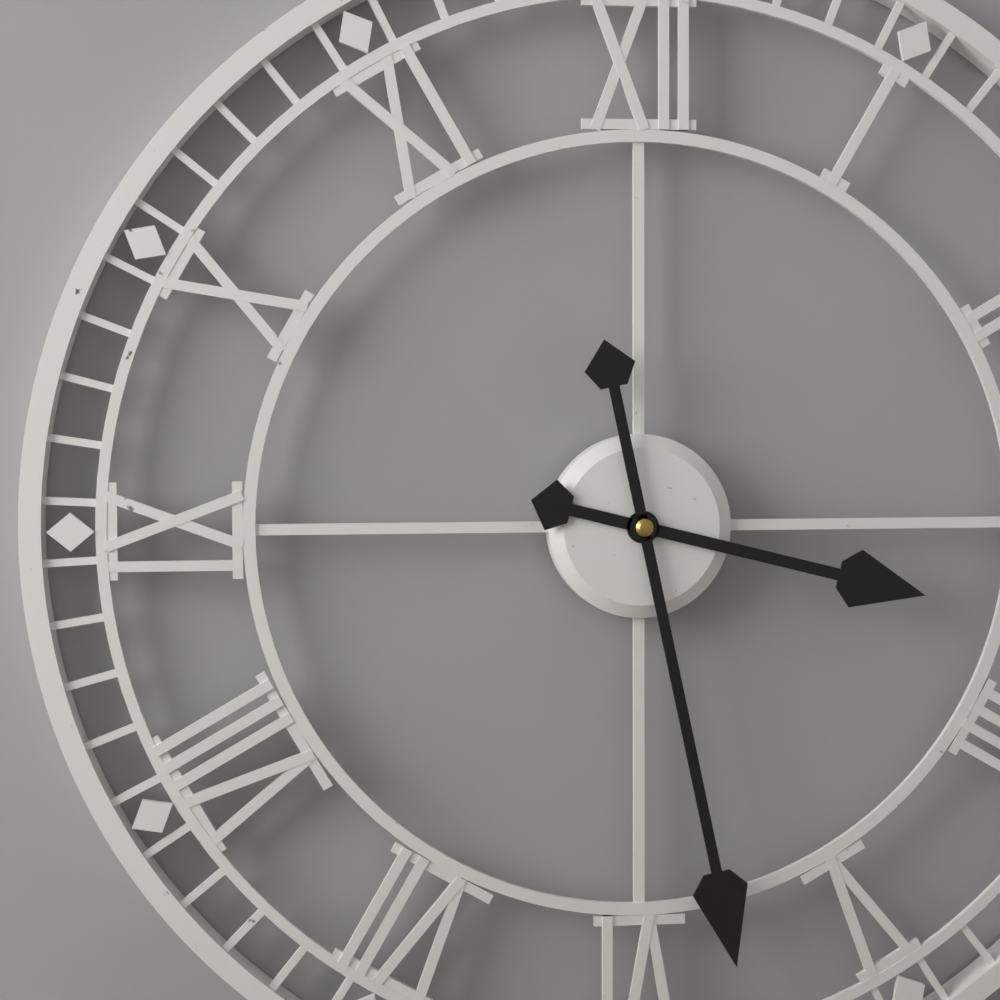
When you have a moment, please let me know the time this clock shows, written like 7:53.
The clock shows 3:28
